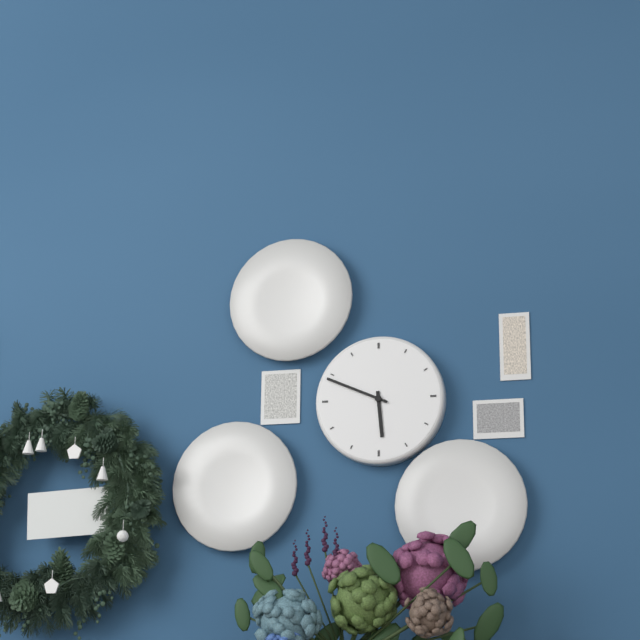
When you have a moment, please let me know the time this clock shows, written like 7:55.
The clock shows 5:49
